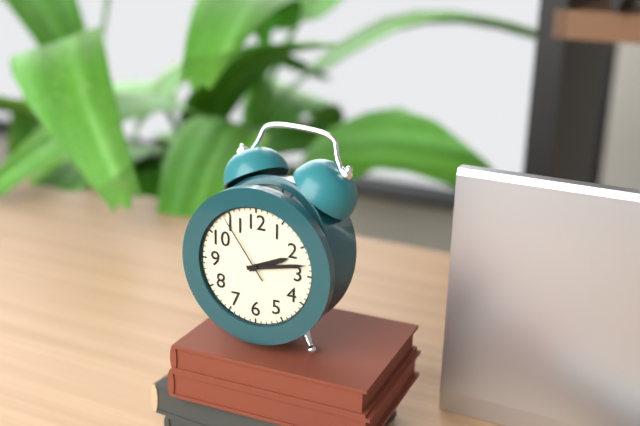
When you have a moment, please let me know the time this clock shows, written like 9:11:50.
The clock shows 2:13:54
